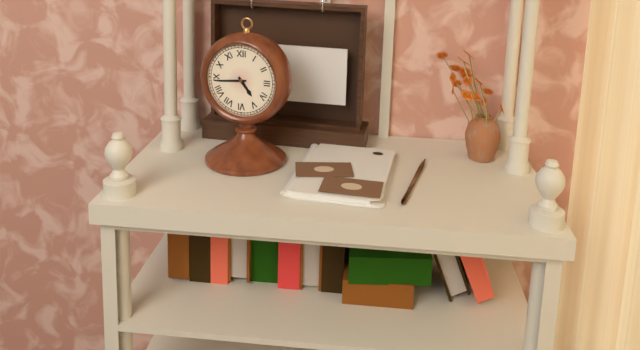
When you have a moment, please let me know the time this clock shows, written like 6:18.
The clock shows 4:44
